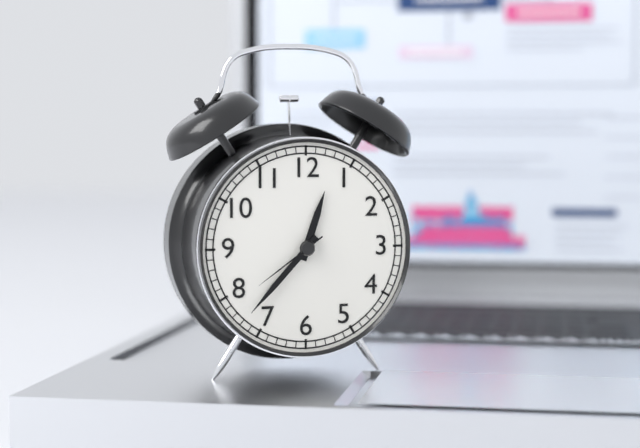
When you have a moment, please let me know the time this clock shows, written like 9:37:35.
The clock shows 12:37:39
